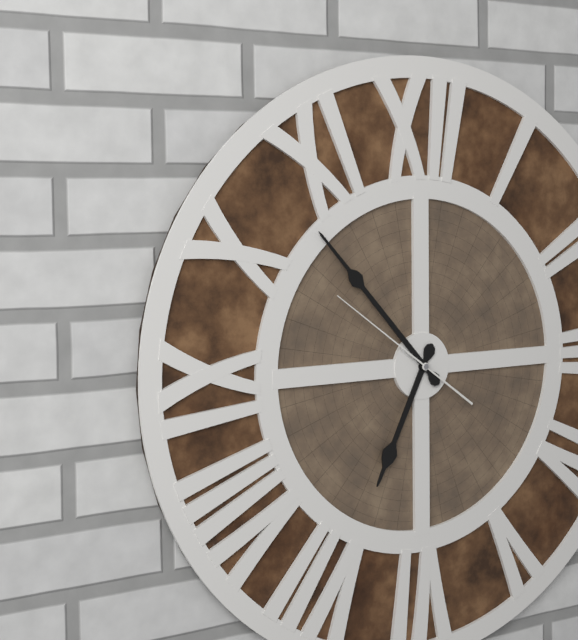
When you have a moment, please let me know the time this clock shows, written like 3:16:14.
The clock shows 6:53:51
